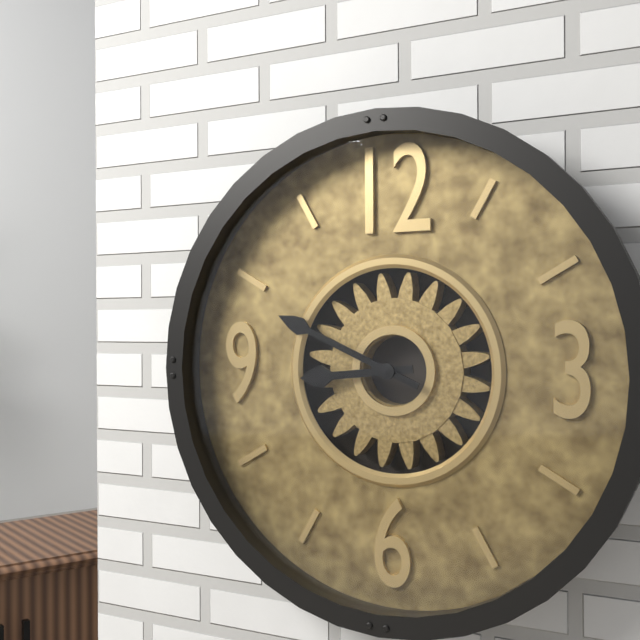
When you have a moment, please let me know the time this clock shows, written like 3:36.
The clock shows 8:49
